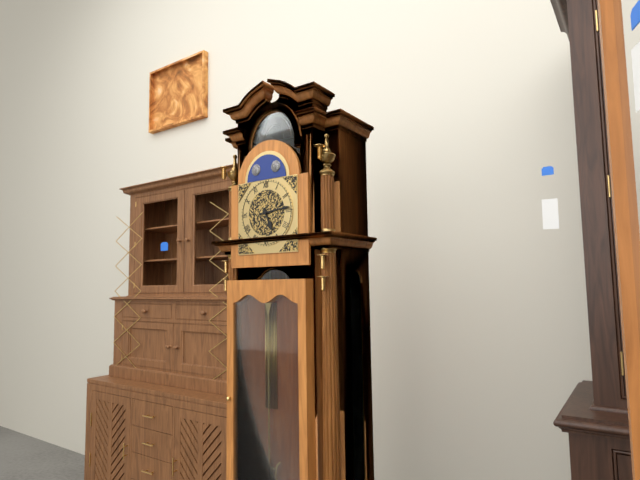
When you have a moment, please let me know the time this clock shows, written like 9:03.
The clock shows 5:14
